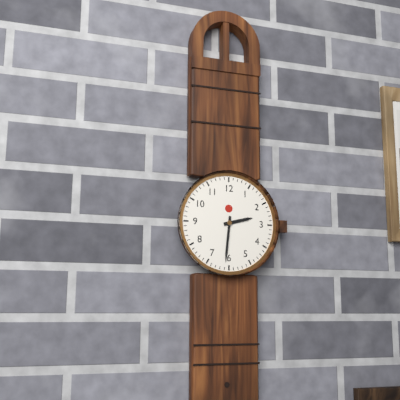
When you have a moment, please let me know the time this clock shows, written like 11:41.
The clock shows 2:31
